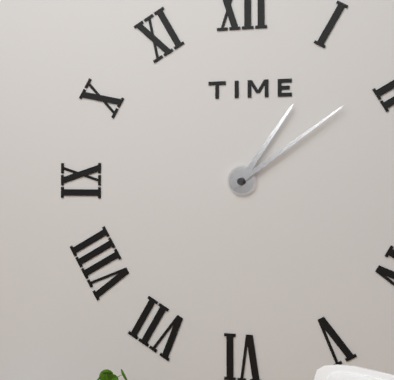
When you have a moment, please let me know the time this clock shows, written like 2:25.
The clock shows 1:09
